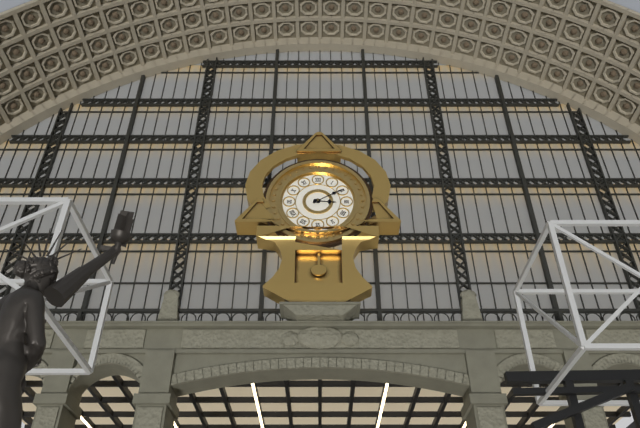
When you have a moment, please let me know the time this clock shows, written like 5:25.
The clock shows 3:10
